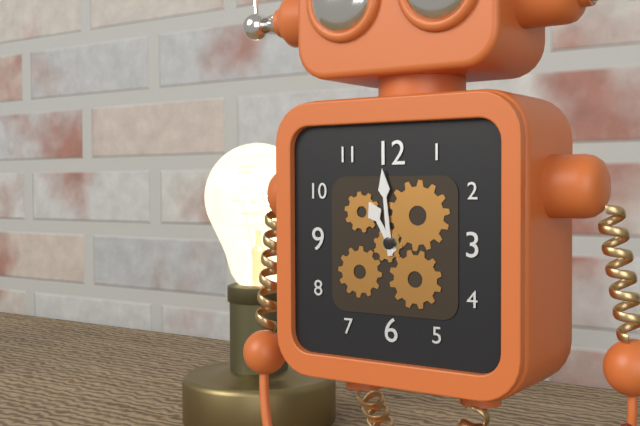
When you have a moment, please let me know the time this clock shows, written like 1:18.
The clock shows 10:59
